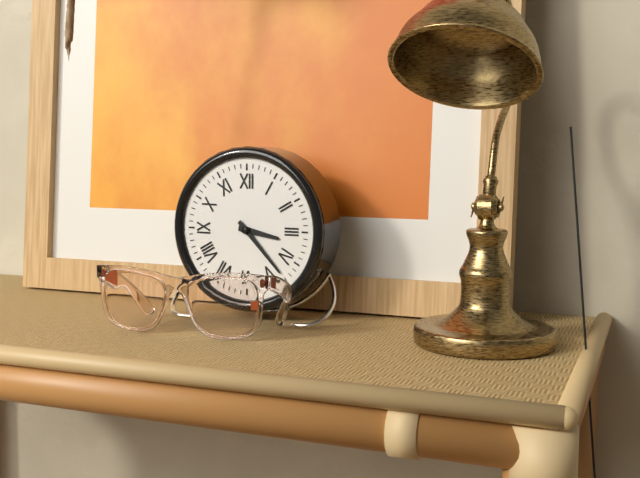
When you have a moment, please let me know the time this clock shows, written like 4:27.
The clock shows 3:23
